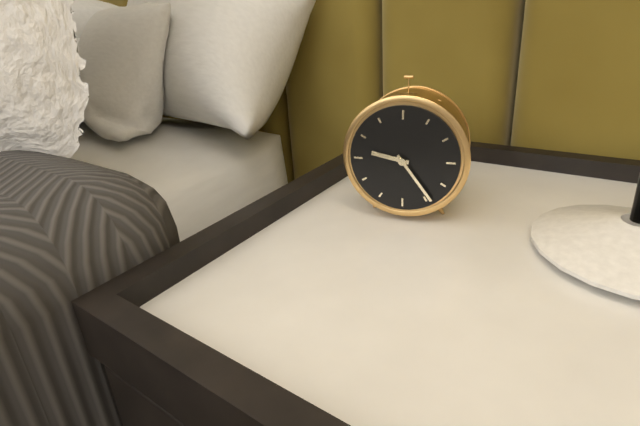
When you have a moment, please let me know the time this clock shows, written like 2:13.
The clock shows 9:24
